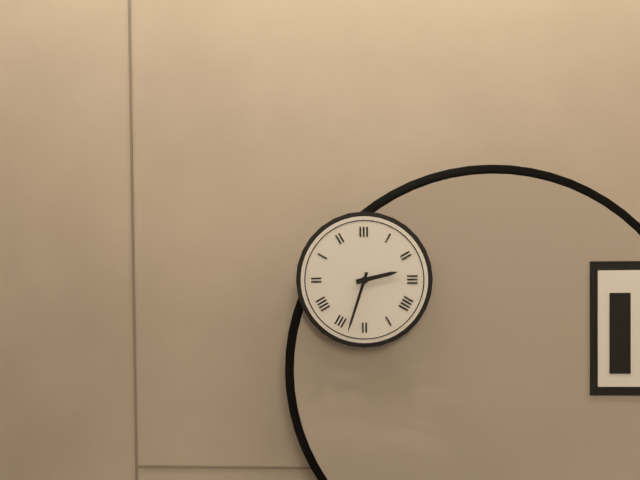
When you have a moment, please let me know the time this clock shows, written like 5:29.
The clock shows 2:33
